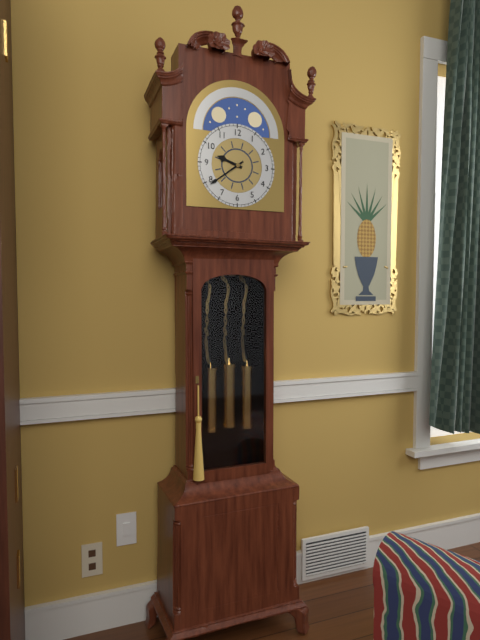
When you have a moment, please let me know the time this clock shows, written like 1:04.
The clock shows 9:39
